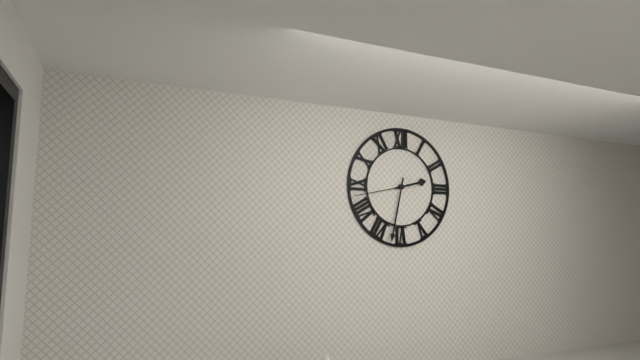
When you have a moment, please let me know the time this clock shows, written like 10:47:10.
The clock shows 2:32:43
